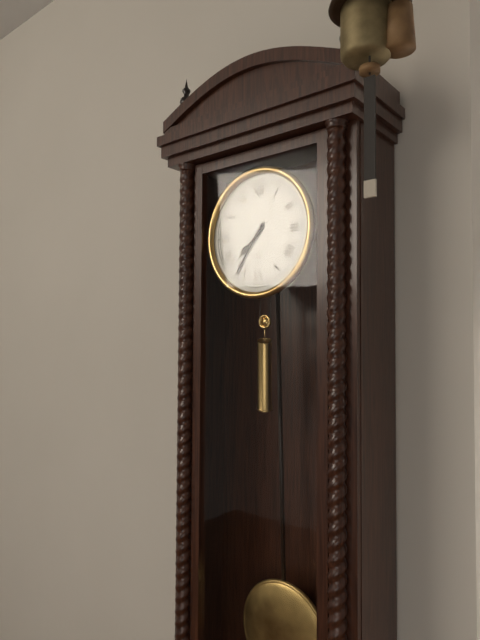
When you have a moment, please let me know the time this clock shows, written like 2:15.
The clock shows 7:36
